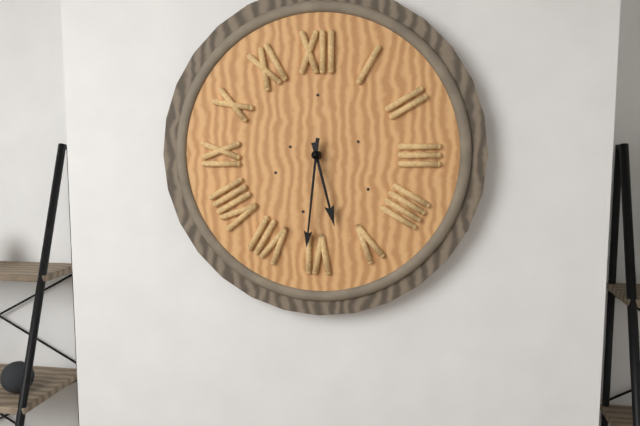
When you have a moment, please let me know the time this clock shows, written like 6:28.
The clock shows 5:31
